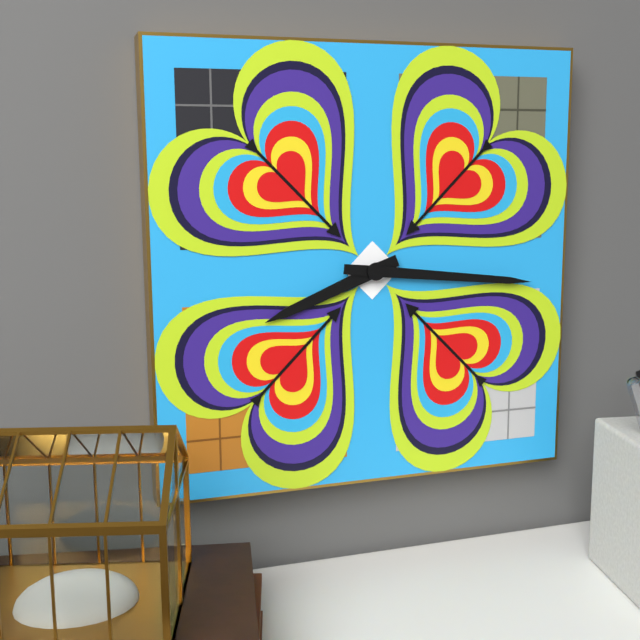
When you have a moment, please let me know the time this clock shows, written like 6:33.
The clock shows 8:16
